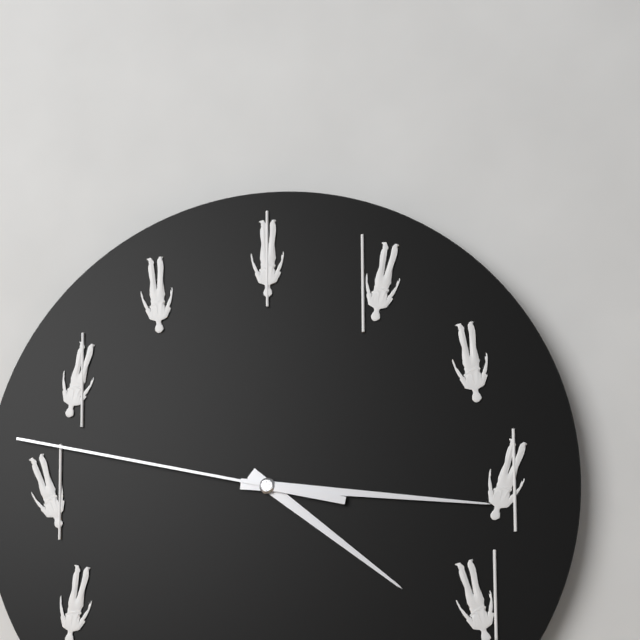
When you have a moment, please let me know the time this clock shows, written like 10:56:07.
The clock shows 4:16:47
